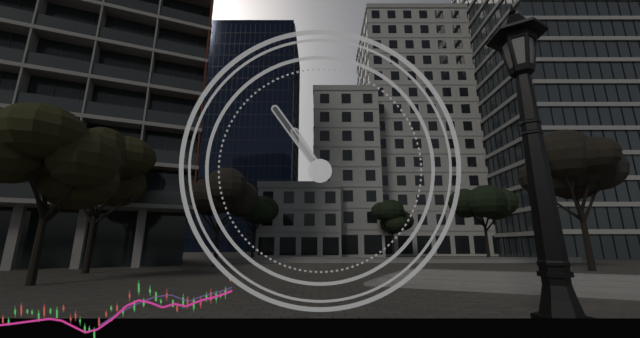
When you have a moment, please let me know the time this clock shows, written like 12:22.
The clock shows 10:54
